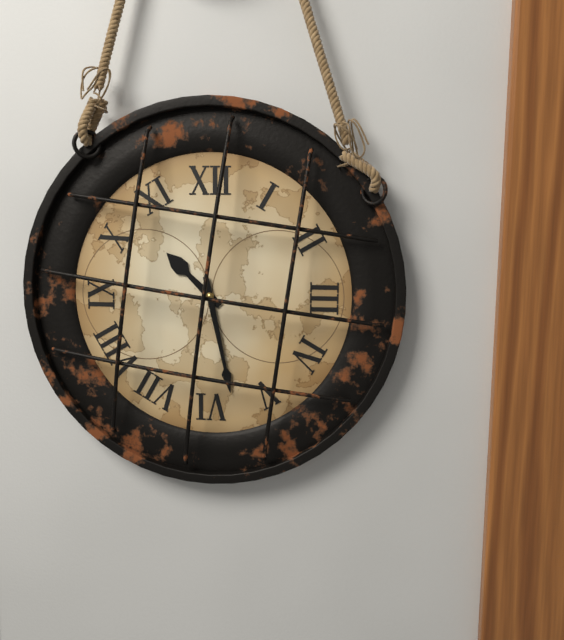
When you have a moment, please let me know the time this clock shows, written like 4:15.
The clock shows 10:28
